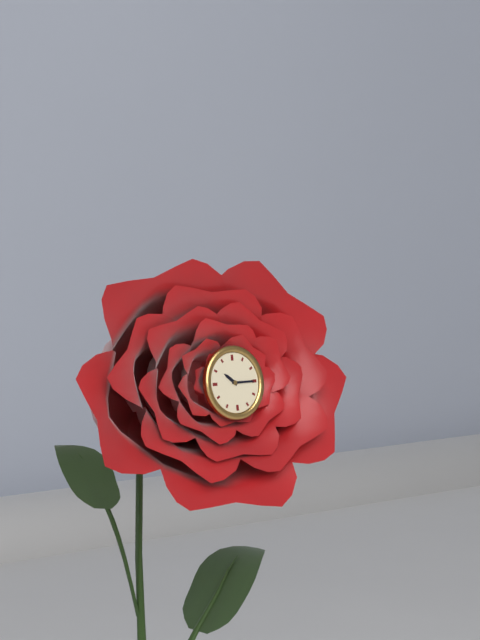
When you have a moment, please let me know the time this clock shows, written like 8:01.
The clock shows 10:15
